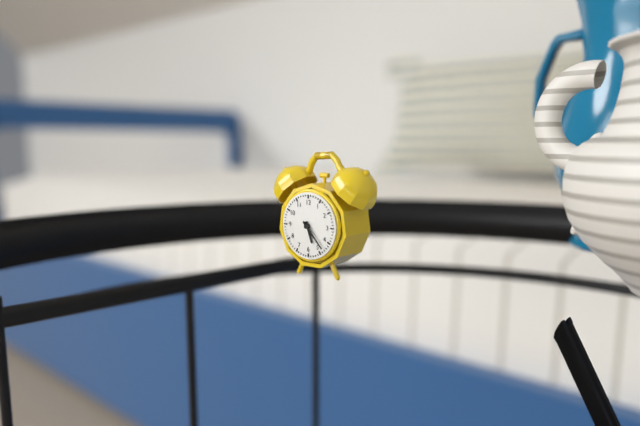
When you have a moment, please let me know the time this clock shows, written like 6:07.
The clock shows 5:23
